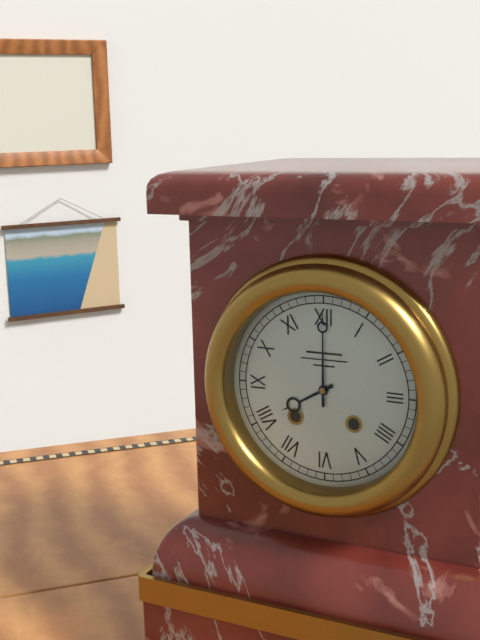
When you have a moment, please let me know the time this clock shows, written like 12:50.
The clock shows 8:00
